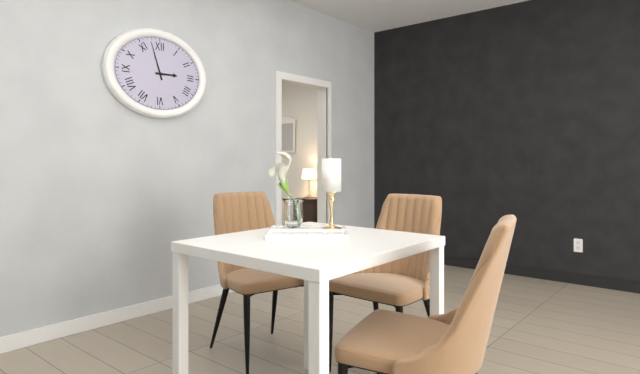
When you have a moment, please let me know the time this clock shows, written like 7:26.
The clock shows 2:57
